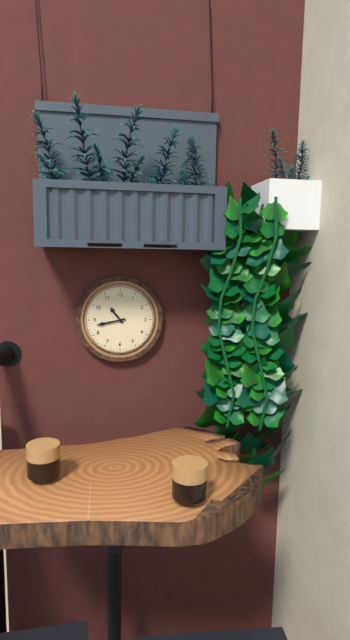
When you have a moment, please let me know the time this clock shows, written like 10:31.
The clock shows 10:43
